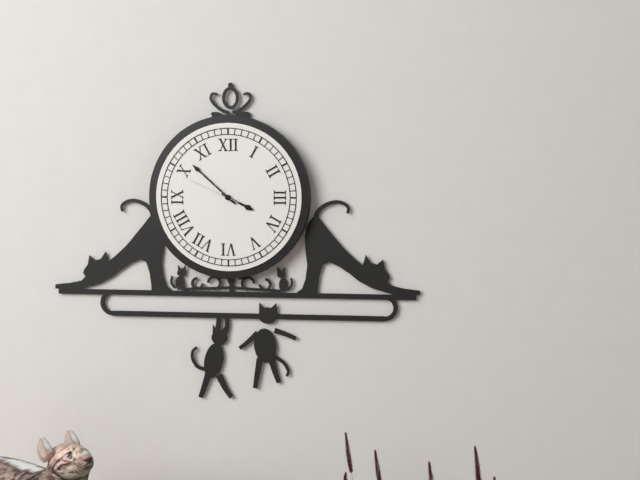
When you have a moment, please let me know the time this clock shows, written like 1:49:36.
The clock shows 3:52:49
